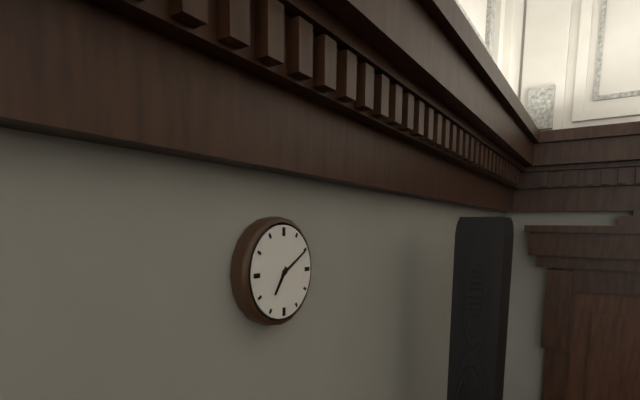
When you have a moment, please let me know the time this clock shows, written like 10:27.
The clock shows 7:10
